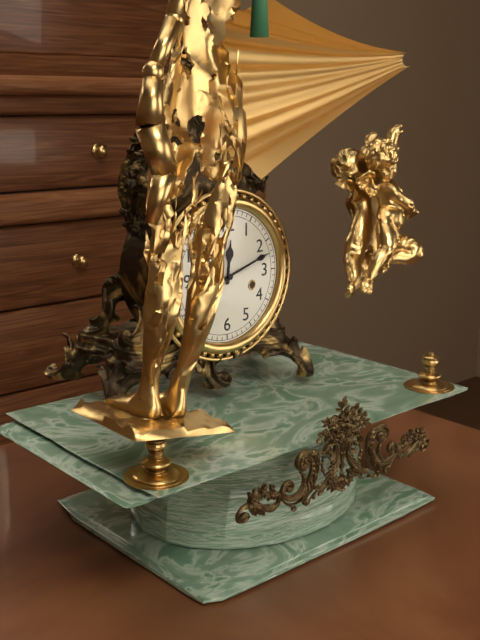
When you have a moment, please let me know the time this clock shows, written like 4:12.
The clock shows 12:12
